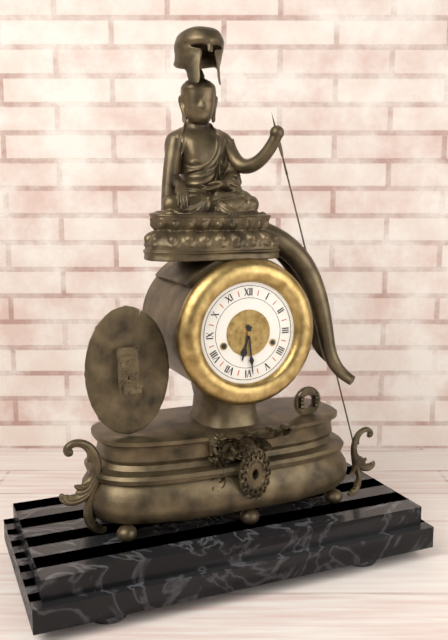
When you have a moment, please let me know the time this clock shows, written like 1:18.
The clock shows 6:29
